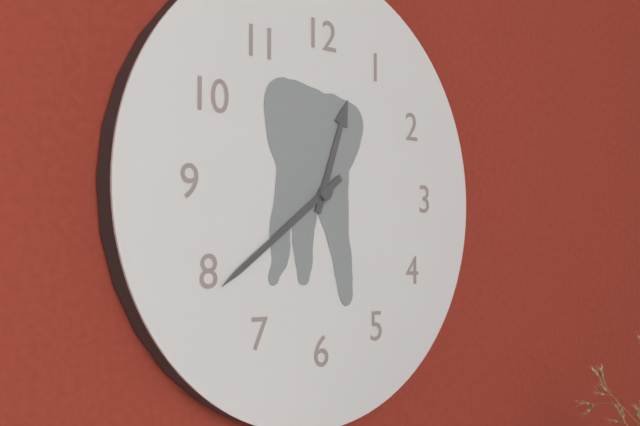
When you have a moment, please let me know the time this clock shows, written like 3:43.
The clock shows 12:39
